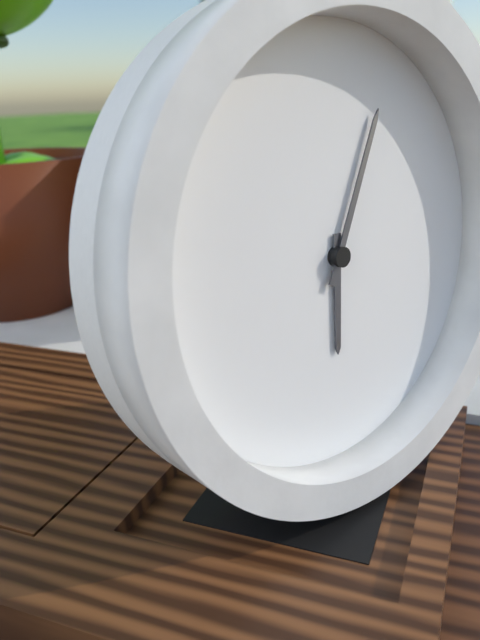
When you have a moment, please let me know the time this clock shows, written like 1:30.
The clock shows 6:04
